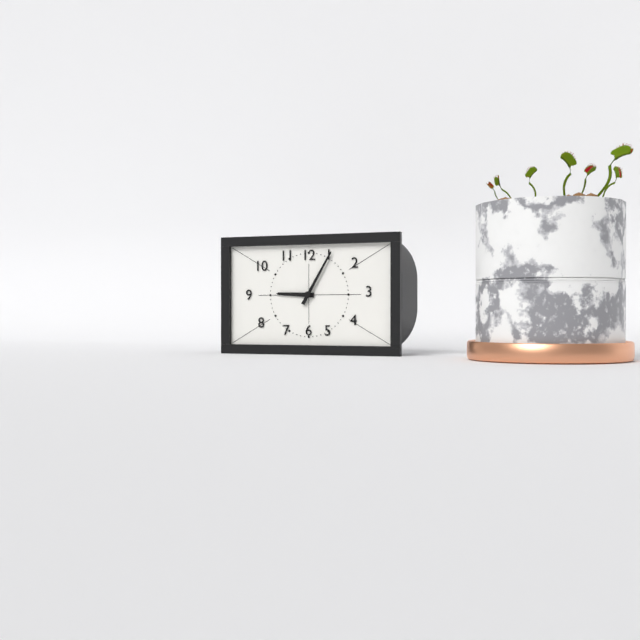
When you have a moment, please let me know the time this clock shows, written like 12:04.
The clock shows 9:05
